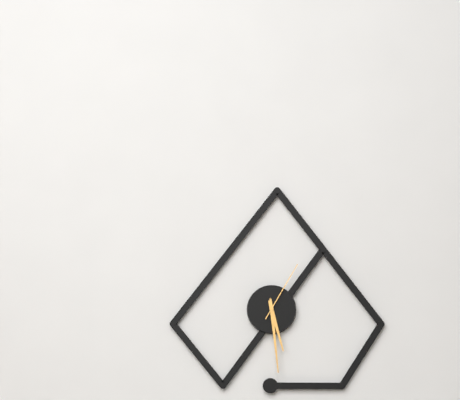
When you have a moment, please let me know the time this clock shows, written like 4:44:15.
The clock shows 5:29:05
